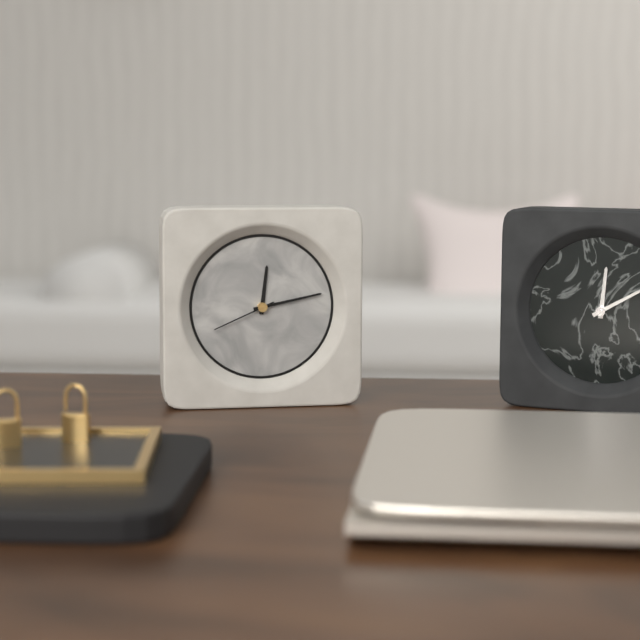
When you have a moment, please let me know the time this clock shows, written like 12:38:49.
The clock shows 12:13:41
